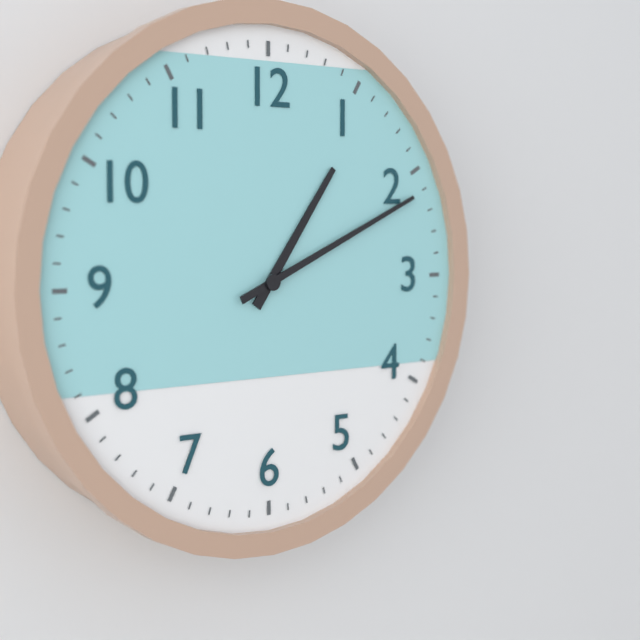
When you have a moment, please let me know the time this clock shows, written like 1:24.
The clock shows 1:11
